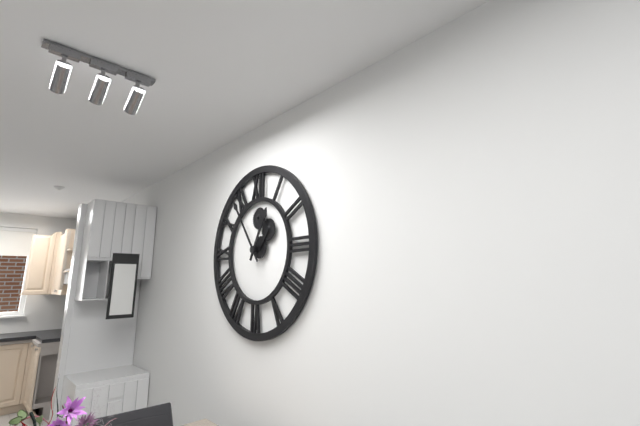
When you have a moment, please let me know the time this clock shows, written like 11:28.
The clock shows 12:54
